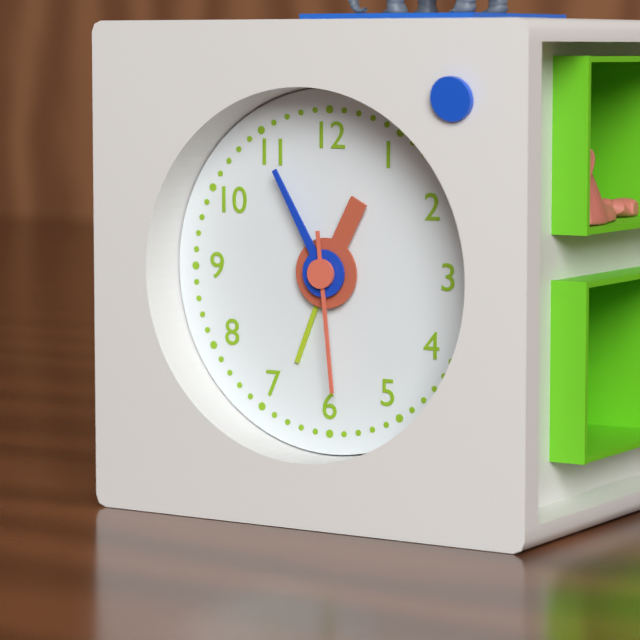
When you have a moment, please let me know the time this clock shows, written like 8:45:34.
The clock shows 12:55:29
